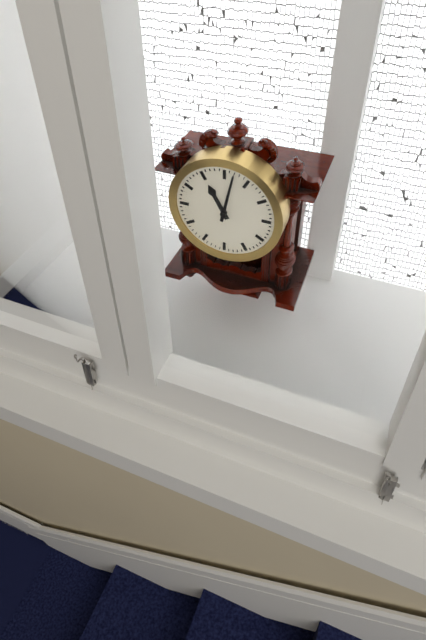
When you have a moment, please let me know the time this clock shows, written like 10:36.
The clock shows 11:02
